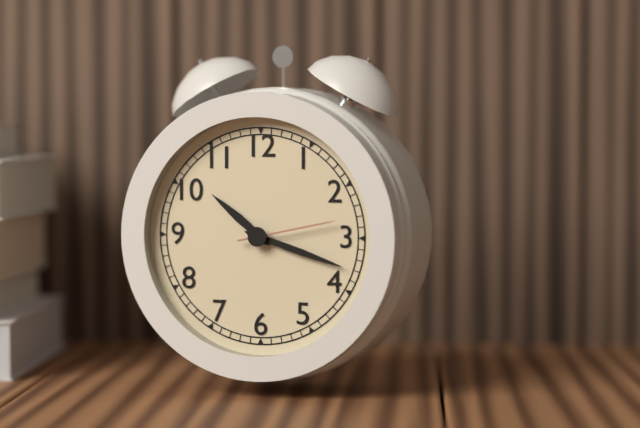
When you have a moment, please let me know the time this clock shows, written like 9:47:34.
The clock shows 10:18:13
